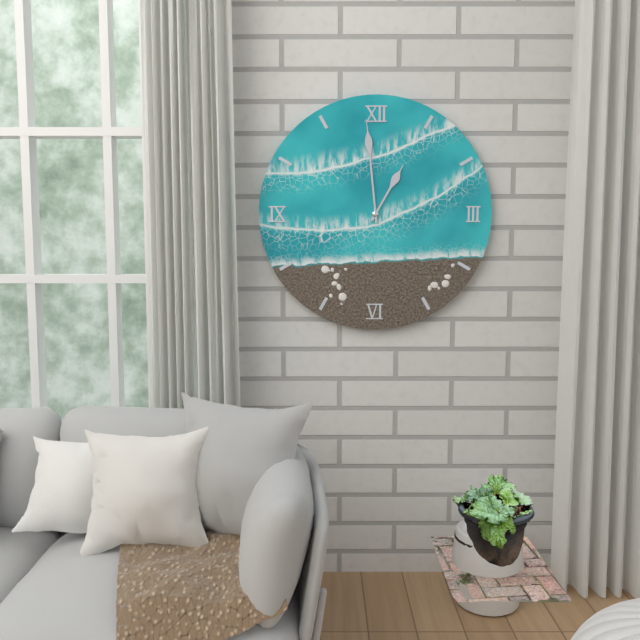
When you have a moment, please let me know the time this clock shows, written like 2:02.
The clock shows 12:59
